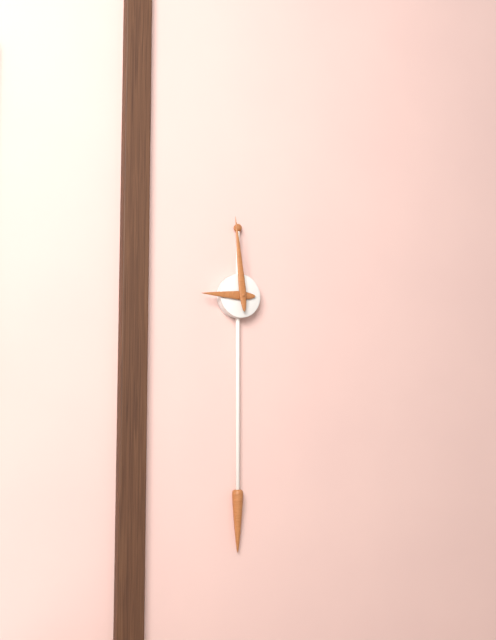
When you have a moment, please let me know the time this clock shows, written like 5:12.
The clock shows 8:59
